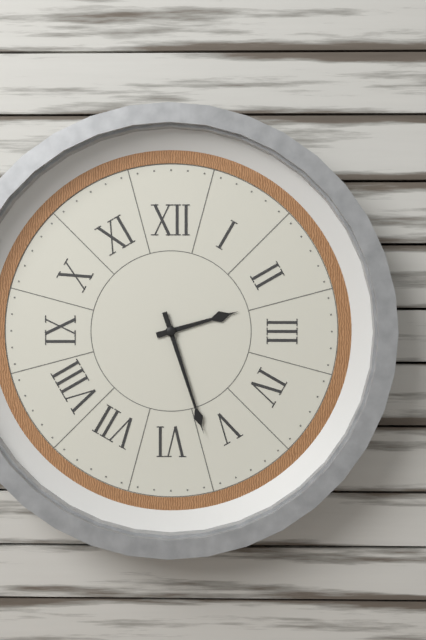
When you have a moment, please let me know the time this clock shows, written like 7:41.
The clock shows 2:27
